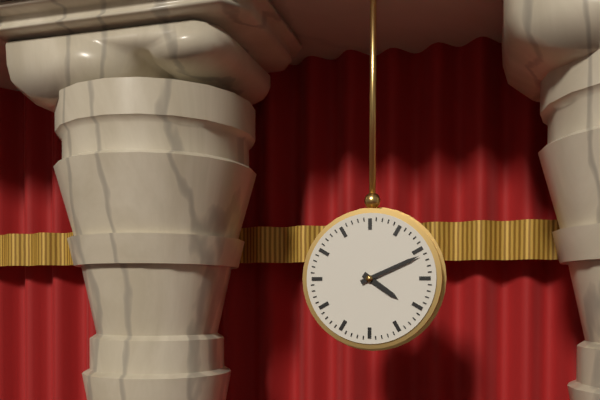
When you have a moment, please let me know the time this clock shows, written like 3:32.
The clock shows 4:11
